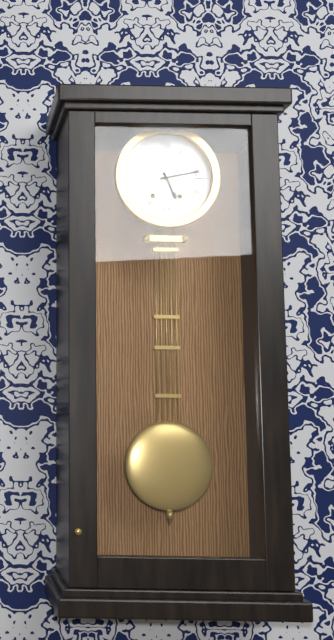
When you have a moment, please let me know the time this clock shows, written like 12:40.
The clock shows 5:13
